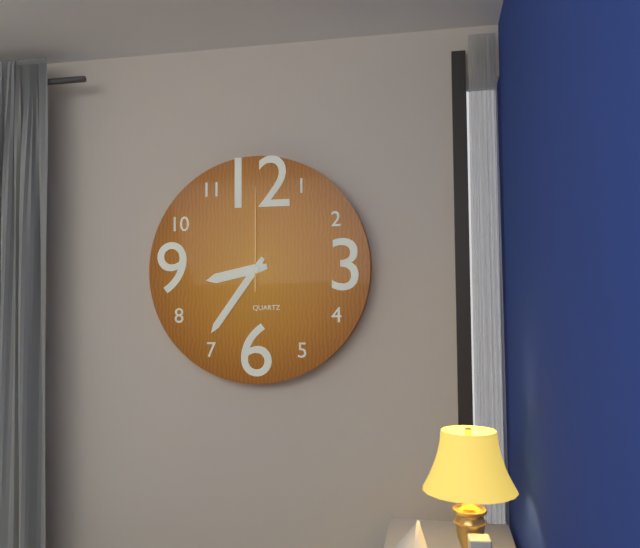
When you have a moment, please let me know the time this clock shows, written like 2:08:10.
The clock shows 8:36:00
